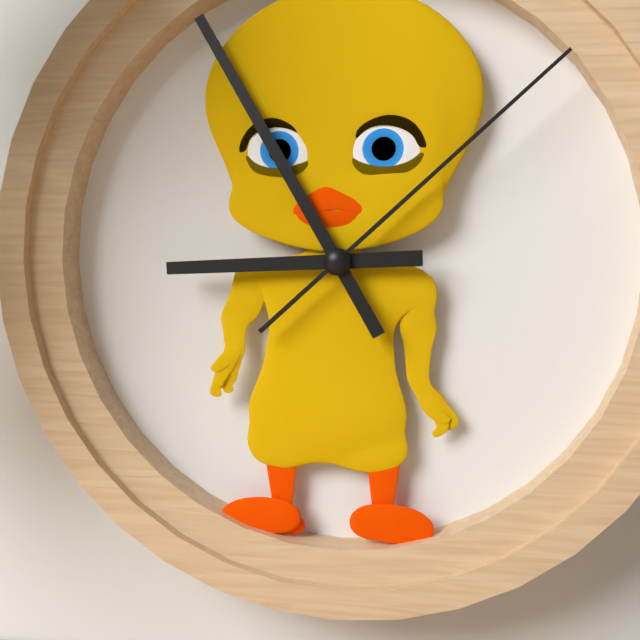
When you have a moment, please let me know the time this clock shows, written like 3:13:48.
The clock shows 8:55:08
